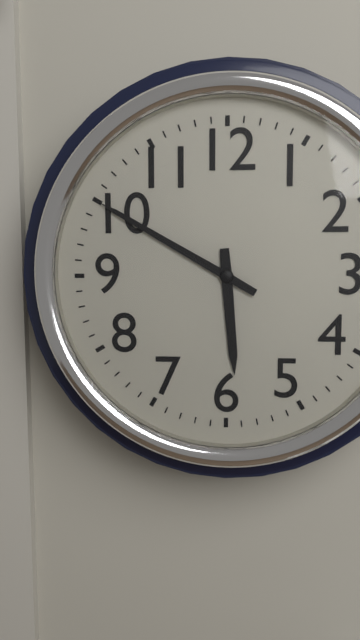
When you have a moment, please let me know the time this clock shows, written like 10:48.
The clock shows 5:50
